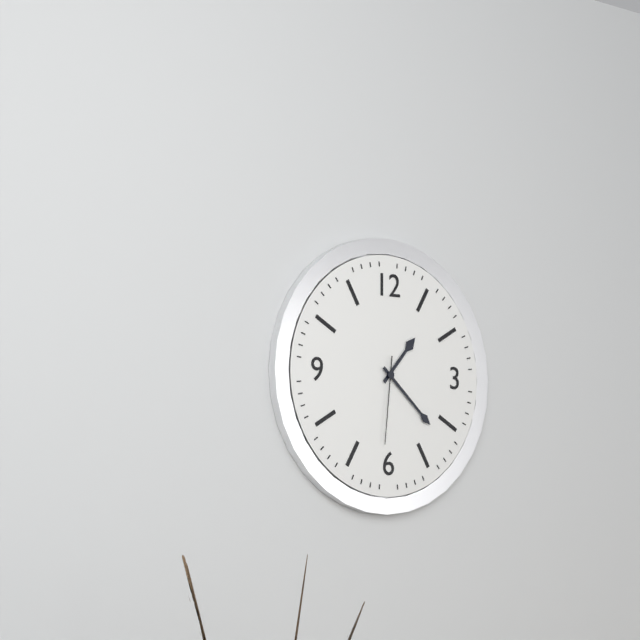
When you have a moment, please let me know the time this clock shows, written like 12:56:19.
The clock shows 1:22:31
